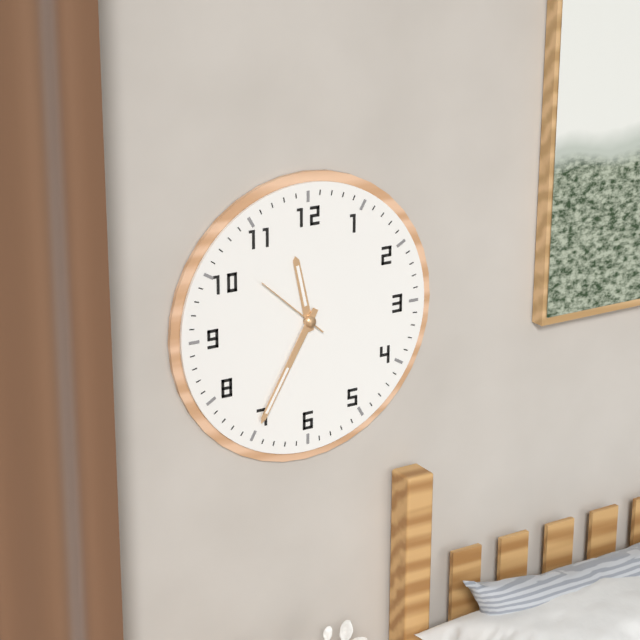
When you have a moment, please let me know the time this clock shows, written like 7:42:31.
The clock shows 11:35:52
